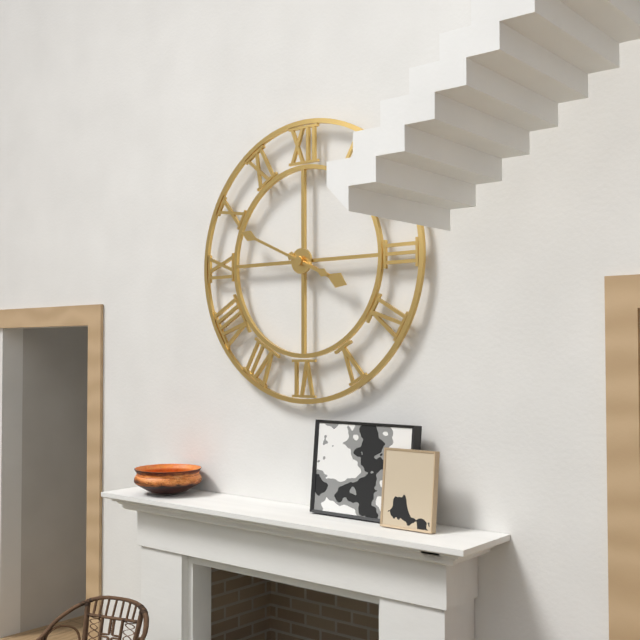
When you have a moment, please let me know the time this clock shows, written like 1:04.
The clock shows 3:49
